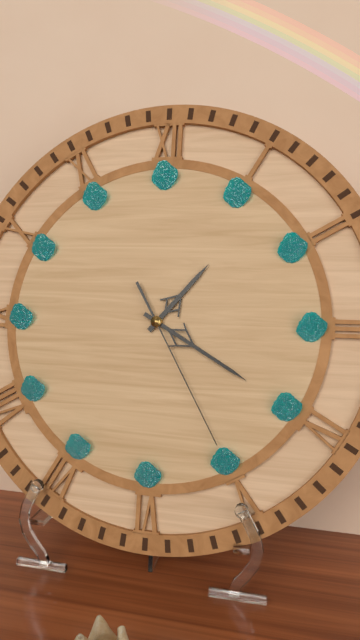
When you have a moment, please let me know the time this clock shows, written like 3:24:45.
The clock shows 1:20:25
